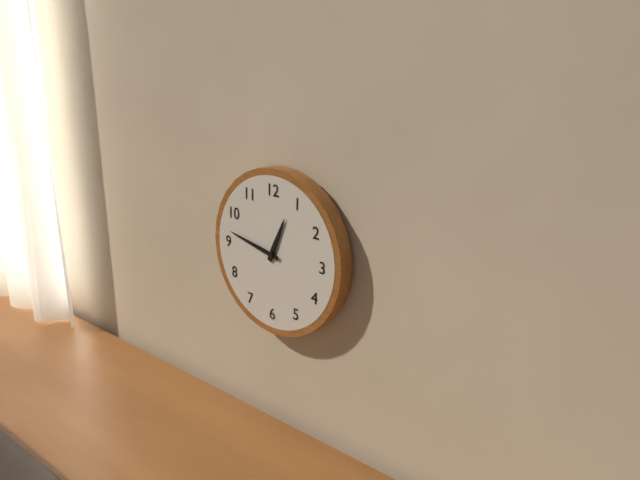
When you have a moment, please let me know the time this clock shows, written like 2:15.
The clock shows 12:47
